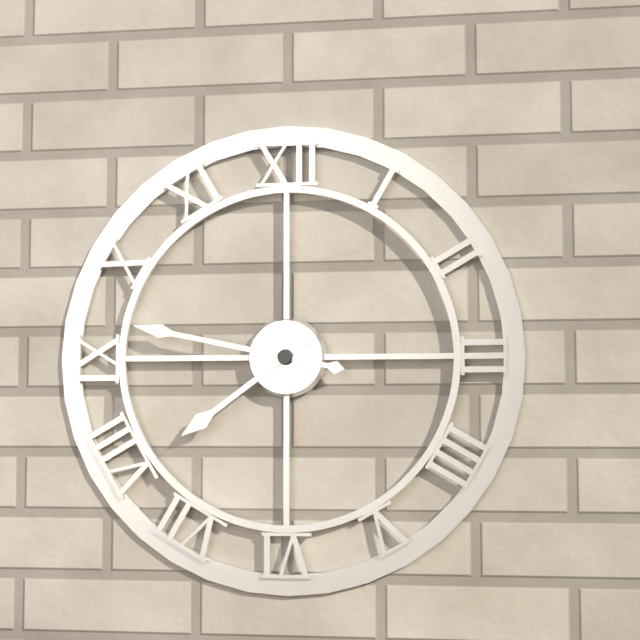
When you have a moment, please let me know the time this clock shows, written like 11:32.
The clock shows 7:47
